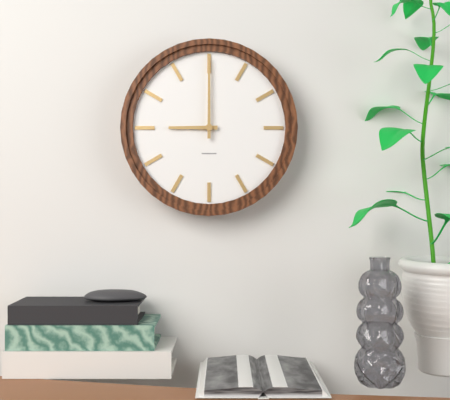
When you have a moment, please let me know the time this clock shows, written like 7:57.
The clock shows 9:00
